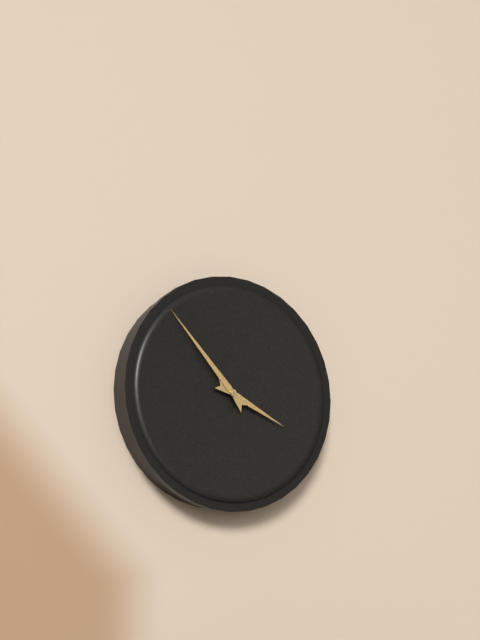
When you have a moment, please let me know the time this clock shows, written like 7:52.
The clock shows 3:53
